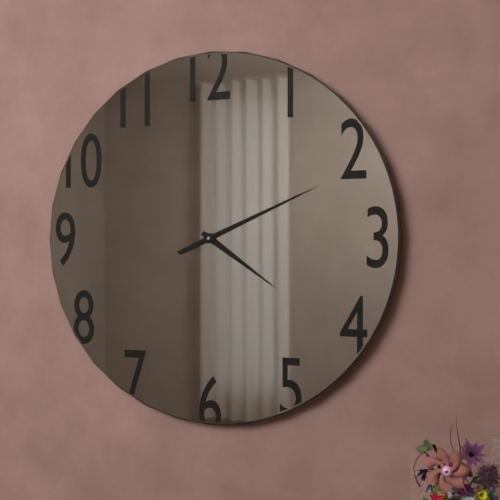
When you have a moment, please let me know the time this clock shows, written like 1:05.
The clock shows 4:11
